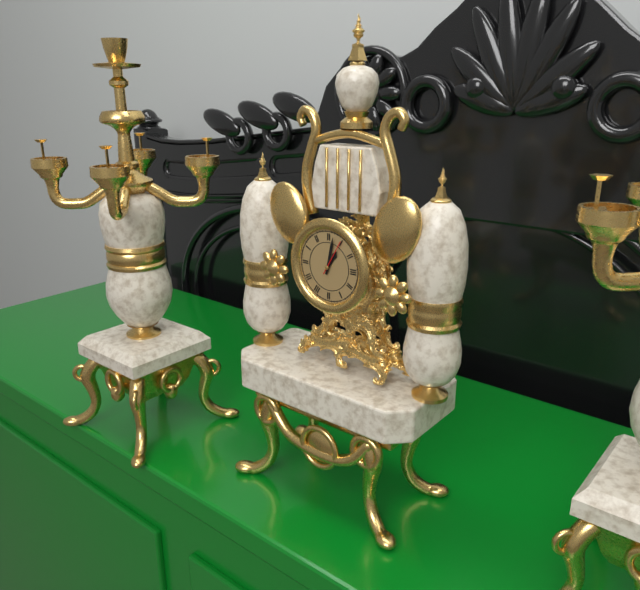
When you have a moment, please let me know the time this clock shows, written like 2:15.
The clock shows 1:02
